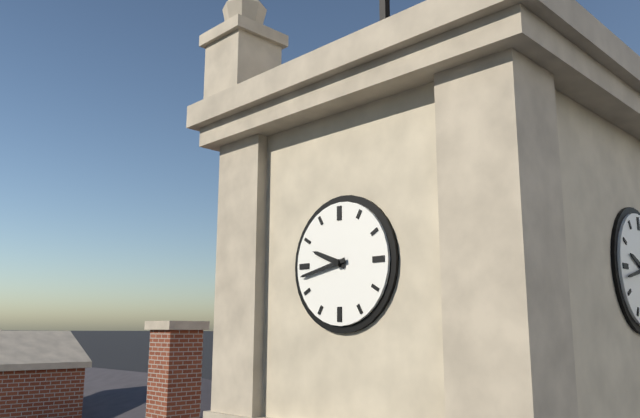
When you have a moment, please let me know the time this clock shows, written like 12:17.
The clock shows 9:43
